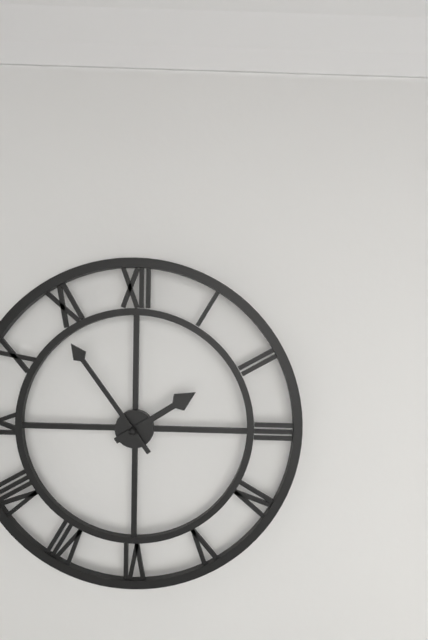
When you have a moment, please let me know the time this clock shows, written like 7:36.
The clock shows 1:54
